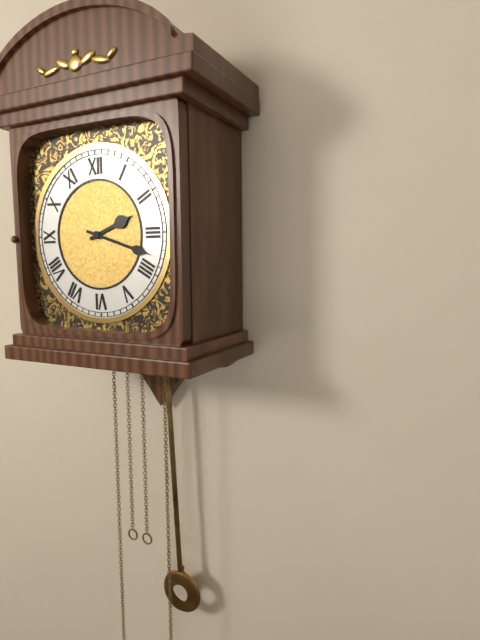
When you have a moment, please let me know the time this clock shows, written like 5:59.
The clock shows 2:18
